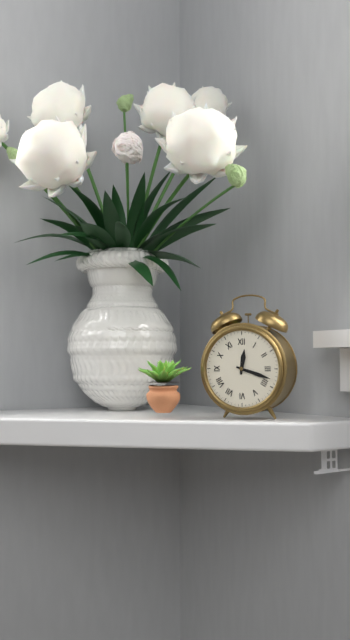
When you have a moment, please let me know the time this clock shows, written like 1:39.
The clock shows 12:18
